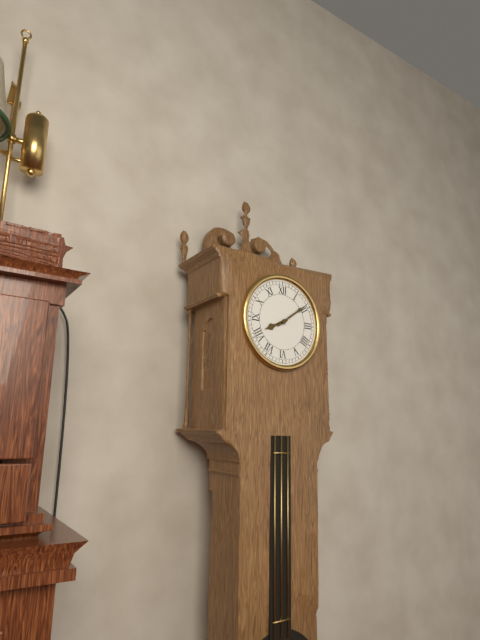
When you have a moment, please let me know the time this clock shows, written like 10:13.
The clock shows 8:09
